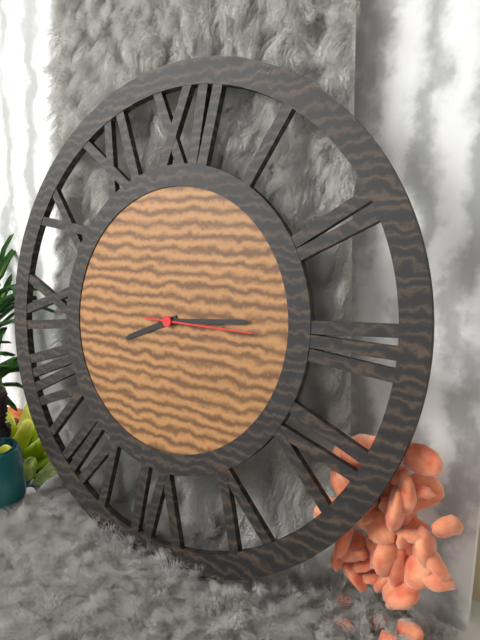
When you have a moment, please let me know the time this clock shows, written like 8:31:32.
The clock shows 8:14:15
